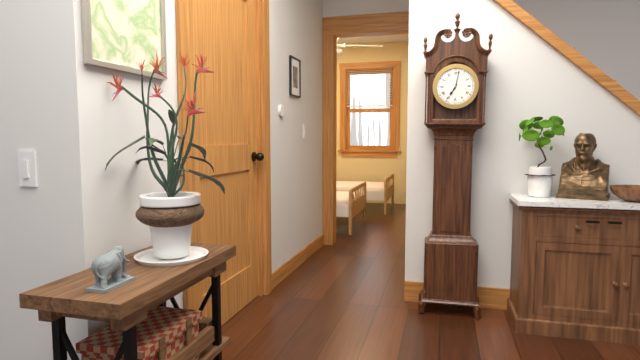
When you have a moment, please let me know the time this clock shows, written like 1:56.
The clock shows 7:02
